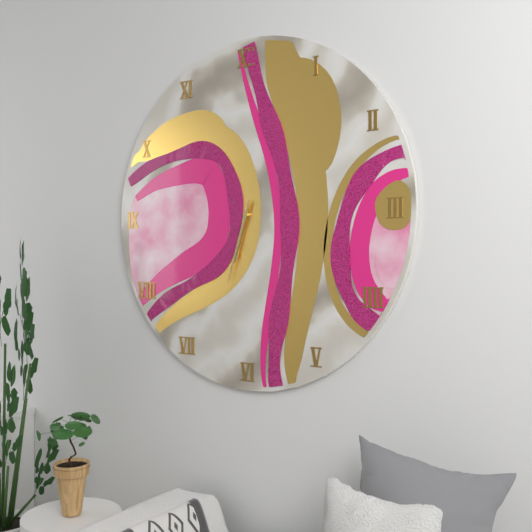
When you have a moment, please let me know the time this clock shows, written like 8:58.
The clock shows 6:33
